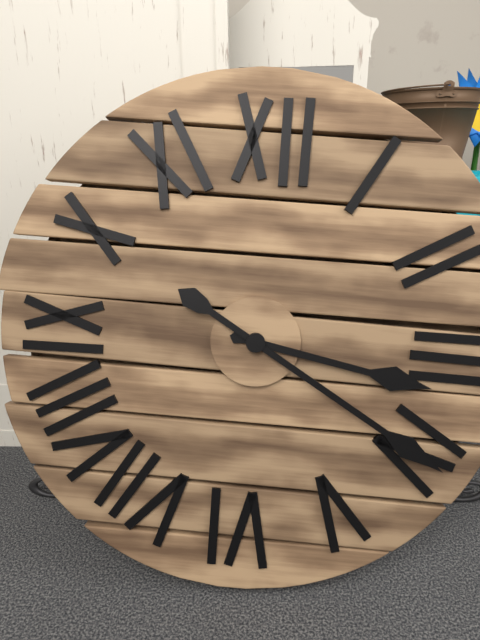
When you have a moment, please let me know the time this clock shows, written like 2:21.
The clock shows 3:20
